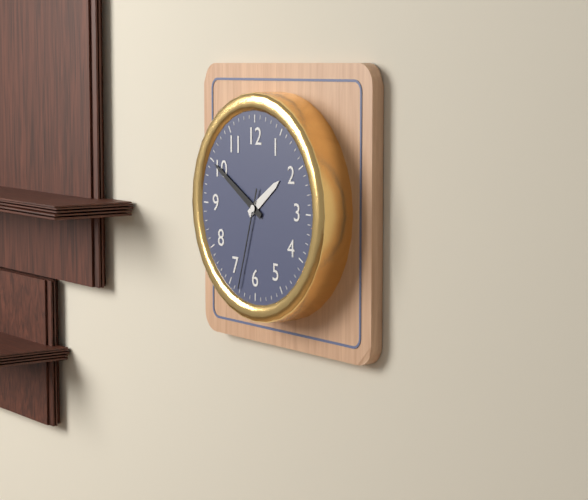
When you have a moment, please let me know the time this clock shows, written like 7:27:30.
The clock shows 1:50:33
